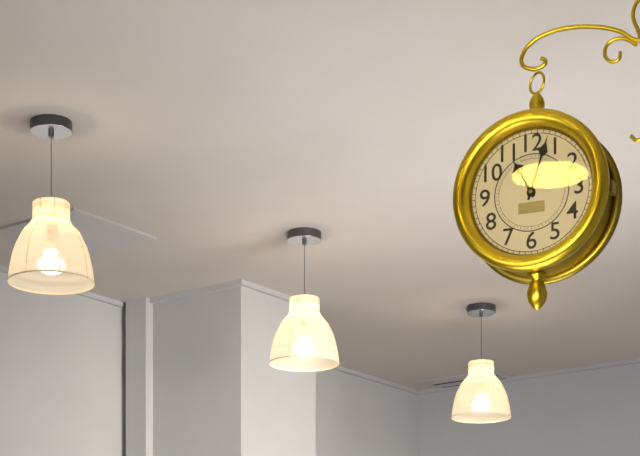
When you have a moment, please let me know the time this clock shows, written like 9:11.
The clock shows 11:03
